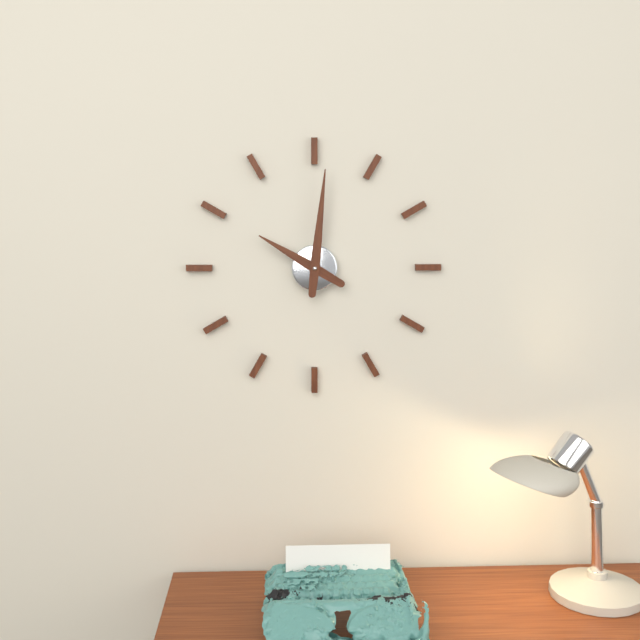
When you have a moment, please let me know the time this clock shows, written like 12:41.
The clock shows 10:01
